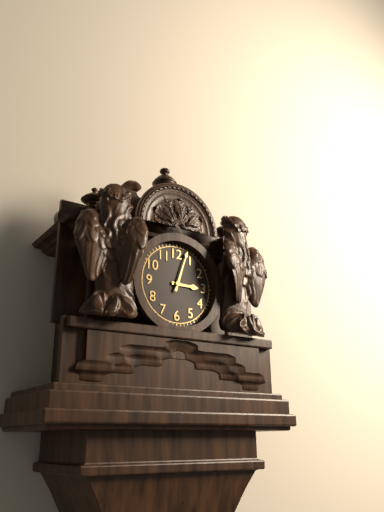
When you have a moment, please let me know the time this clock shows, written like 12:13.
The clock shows 3:03
